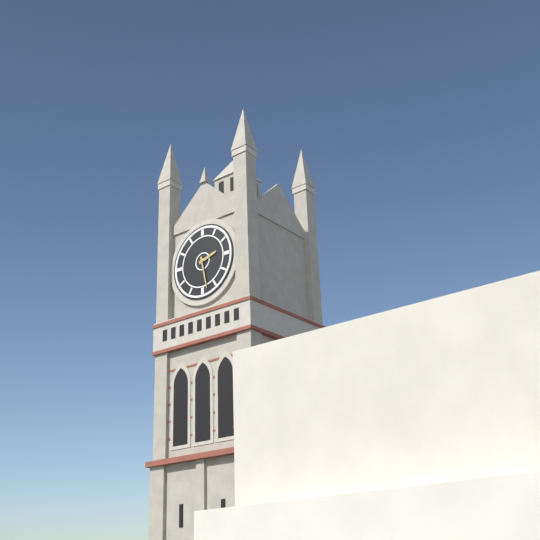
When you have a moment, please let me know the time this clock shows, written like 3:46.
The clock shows 2:28
